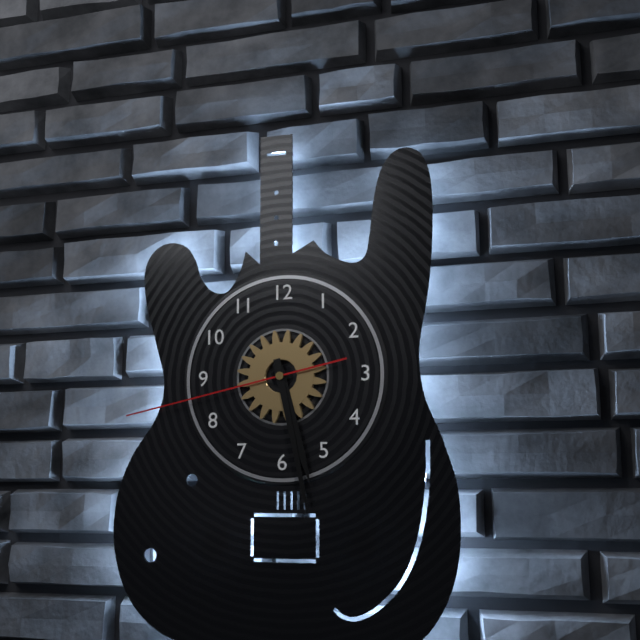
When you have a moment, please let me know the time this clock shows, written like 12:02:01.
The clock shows 5:28:43
